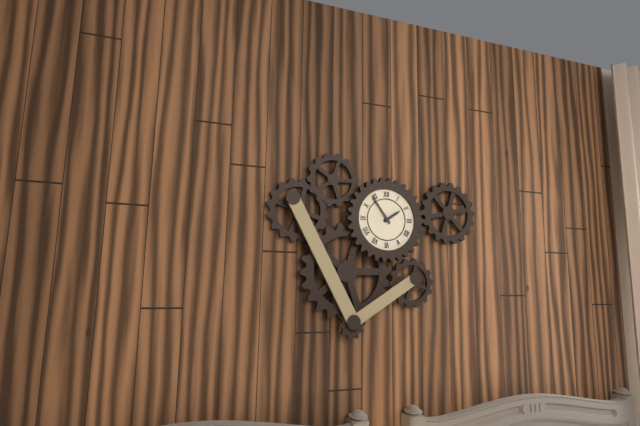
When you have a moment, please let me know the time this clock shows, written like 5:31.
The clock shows 1:54
